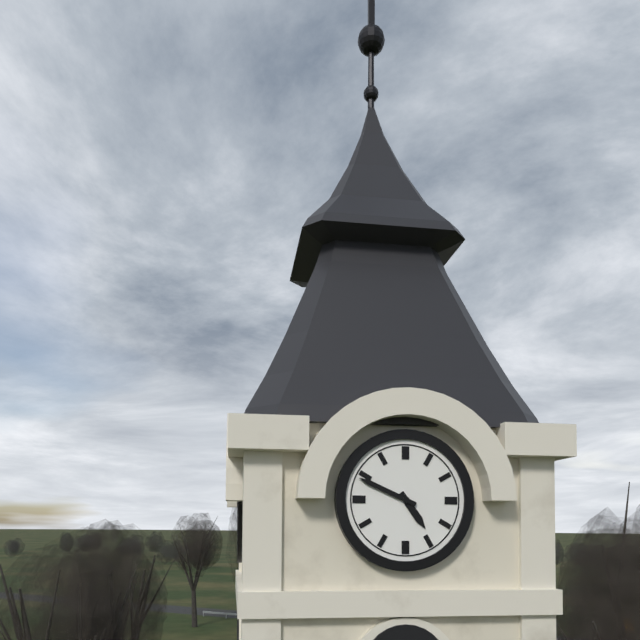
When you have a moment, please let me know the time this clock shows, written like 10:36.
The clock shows 4:49
